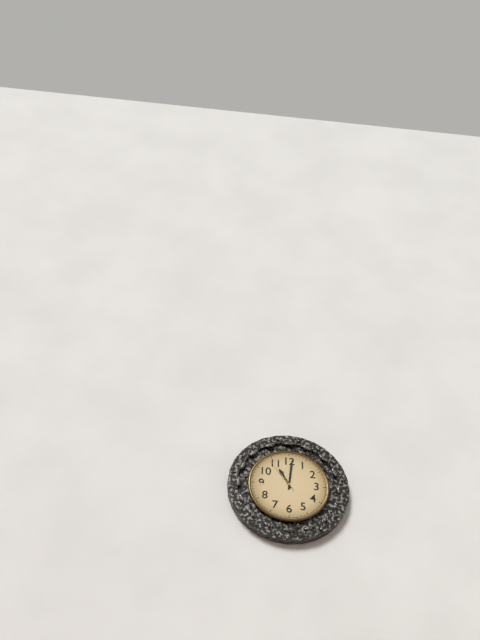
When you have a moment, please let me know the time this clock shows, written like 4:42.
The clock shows 11:01
